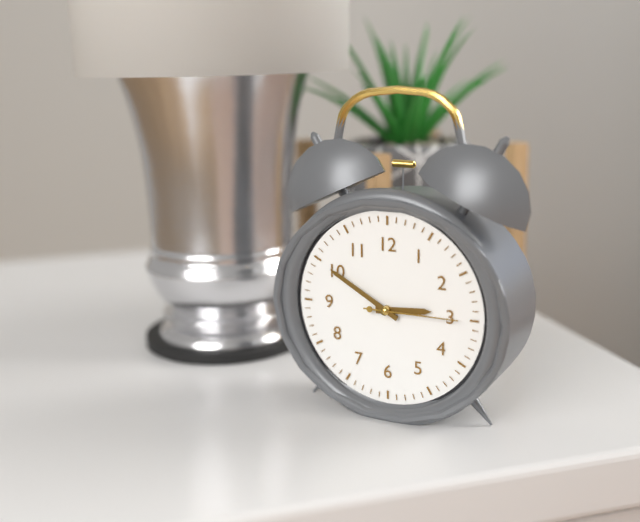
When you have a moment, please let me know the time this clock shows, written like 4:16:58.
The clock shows 2:50:15
